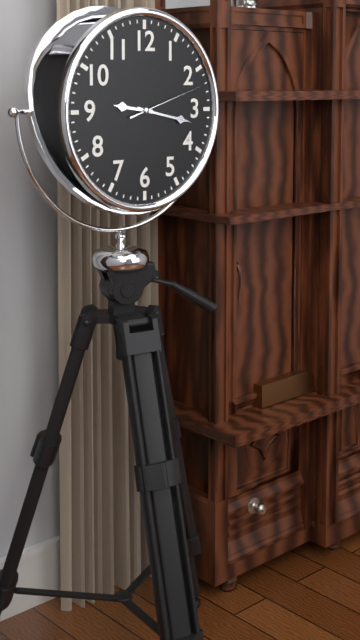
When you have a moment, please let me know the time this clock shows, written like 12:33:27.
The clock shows 9:17:12
